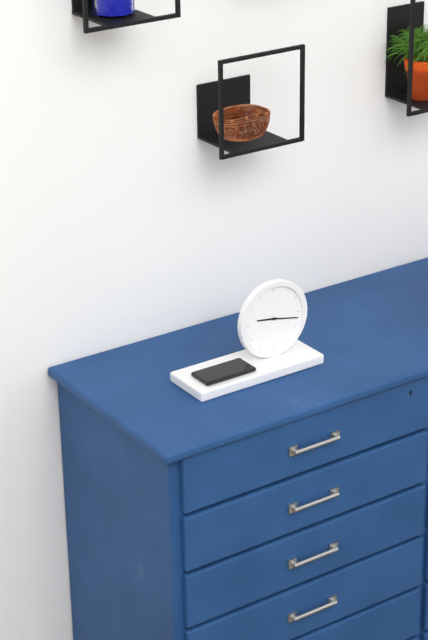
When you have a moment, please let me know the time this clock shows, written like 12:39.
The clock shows 9:17
